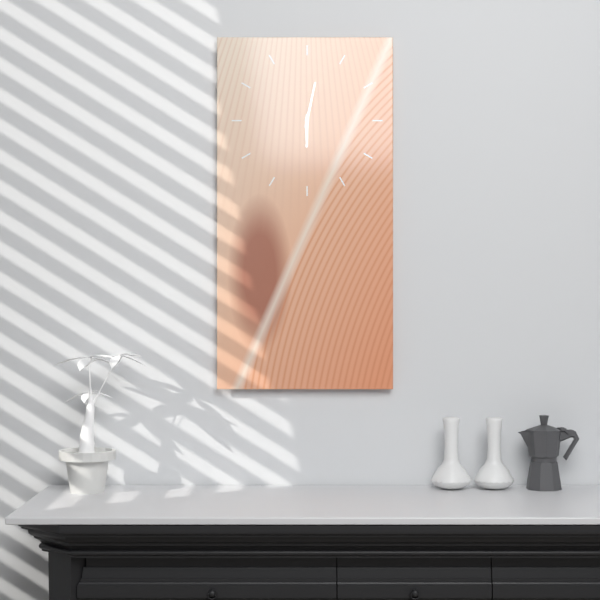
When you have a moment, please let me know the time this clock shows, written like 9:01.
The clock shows 6:02
